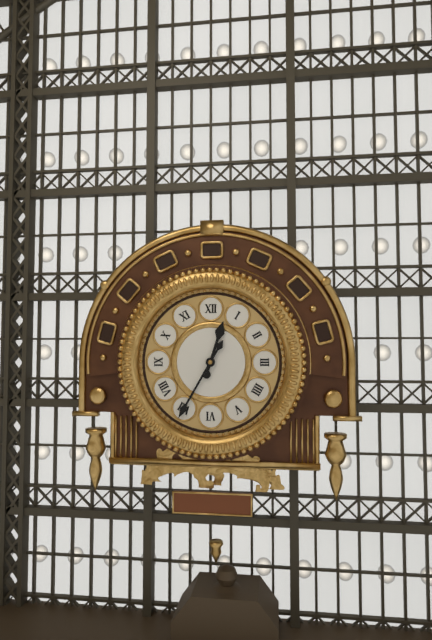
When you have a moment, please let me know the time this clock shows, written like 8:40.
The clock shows 12:35
